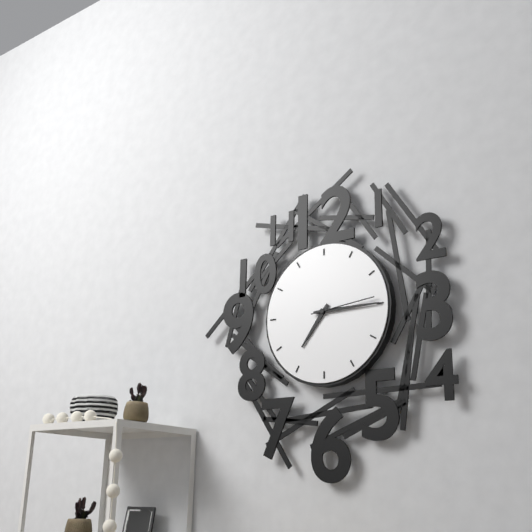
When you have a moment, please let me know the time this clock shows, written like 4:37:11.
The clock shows 7:15:14
